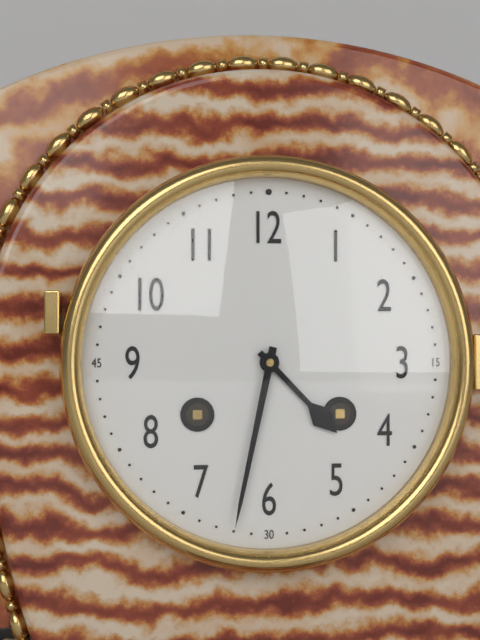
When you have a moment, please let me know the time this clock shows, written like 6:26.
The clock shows 4:32
